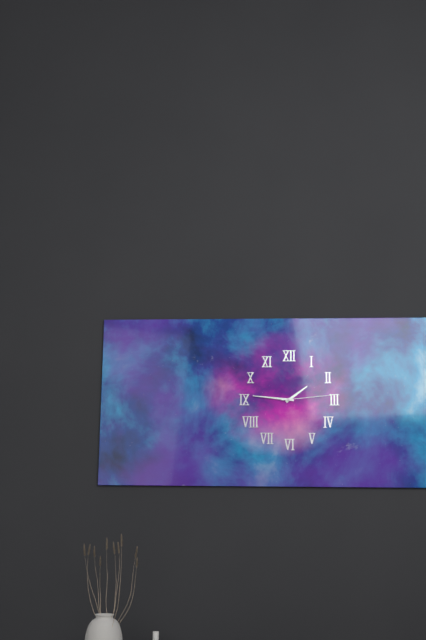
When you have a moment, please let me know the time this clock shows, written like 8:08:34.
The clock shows 1:46:14
